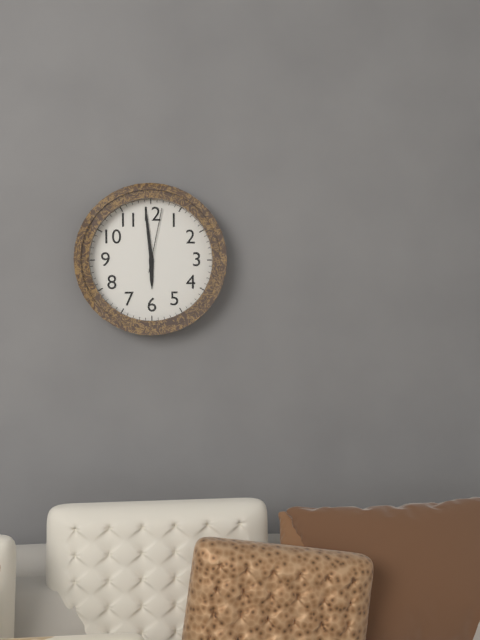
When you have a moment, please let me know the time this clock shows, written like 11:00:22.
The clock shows 5:59:02
